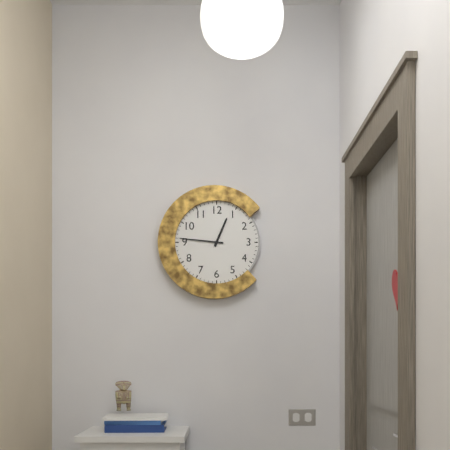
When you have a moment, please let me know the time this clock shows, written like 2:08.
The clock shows 12:46
